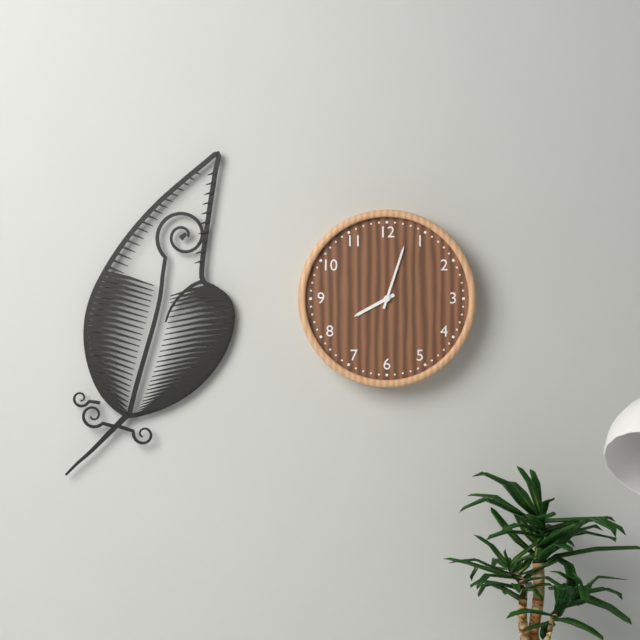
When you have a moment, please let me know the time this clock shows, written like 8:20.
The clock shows 8:03
